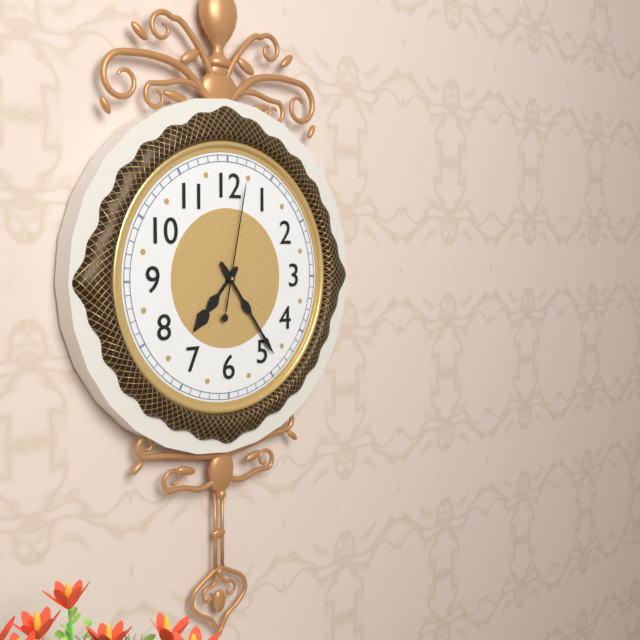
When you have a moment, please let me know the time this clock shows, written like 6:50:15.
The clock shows 7:24:02
